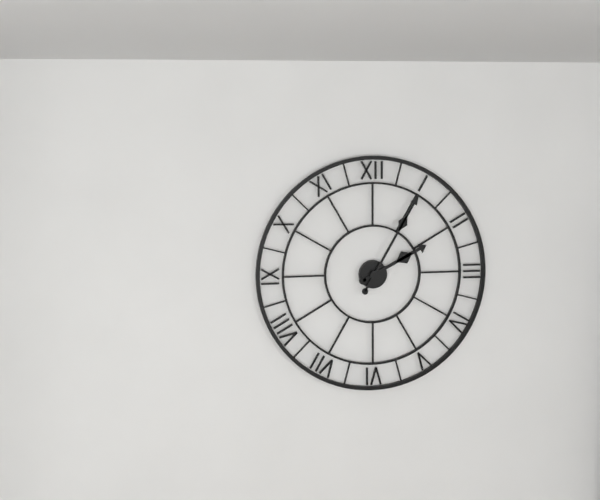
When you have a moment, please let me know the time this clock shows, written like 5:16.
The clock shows 2:05
